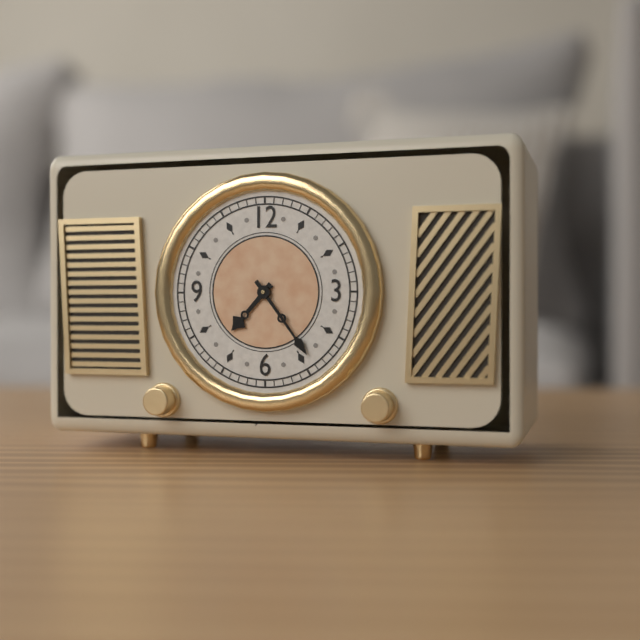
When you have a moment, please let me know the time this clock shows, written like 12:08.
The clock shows 7:24
